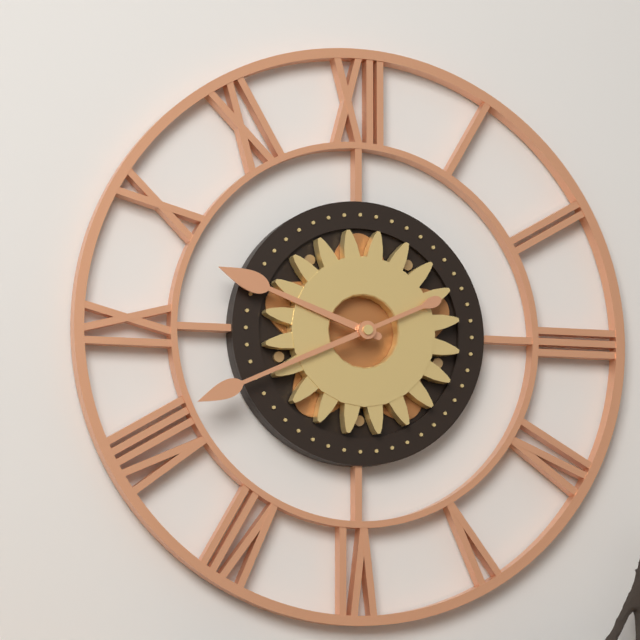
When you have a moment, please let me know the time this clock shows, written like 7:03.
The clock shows 9:41
